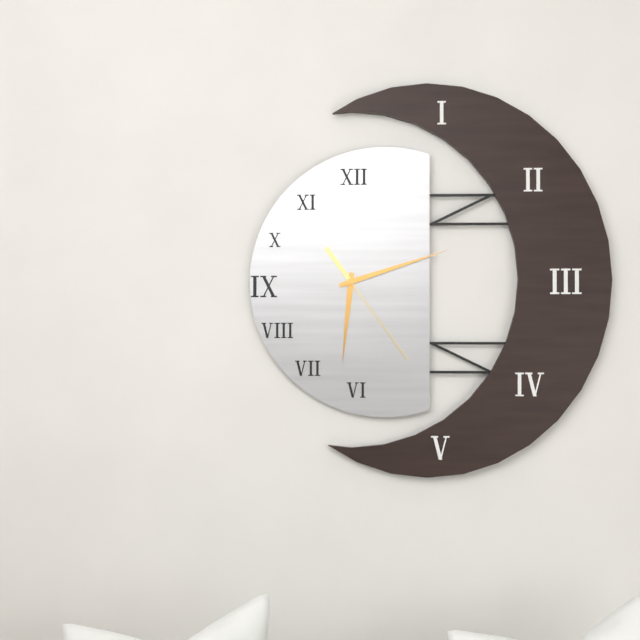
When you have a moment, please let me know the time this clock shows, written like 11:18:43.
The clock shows 6:12:24
